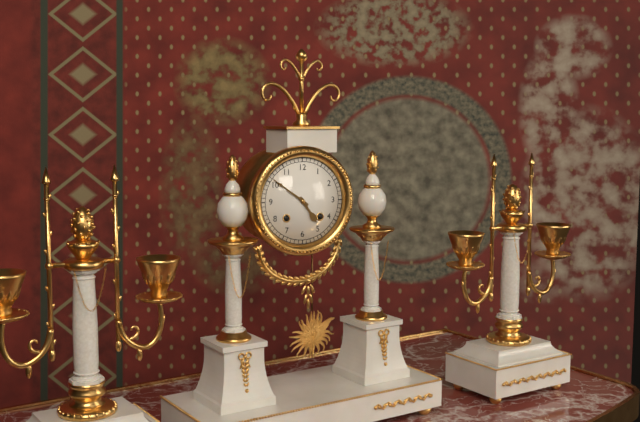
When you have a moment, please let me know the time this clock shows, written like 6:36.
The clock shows 4:51
